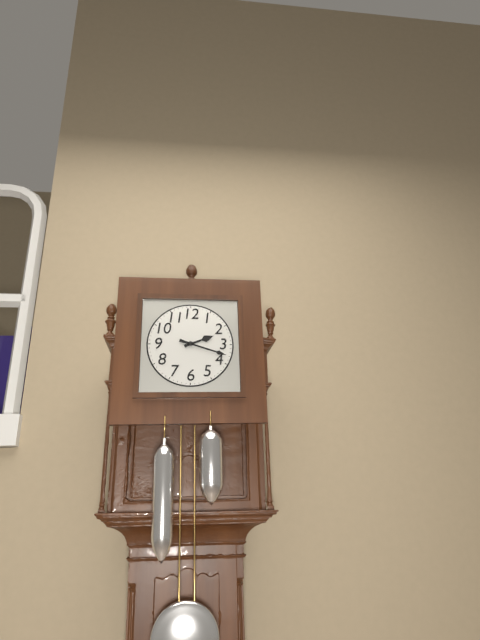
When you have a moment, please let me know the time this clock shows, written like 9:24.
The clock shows 2:18
